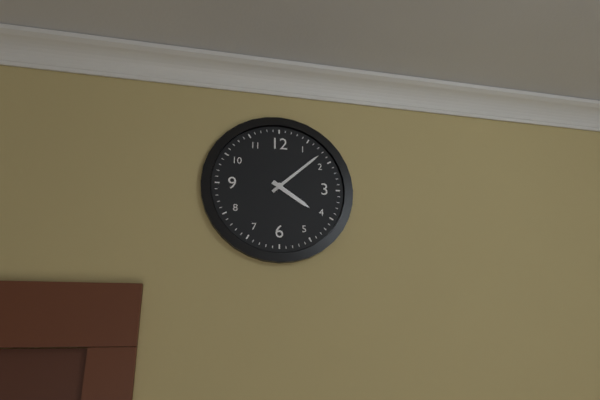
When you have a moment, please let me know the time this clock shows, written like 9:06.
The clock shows 4:08
